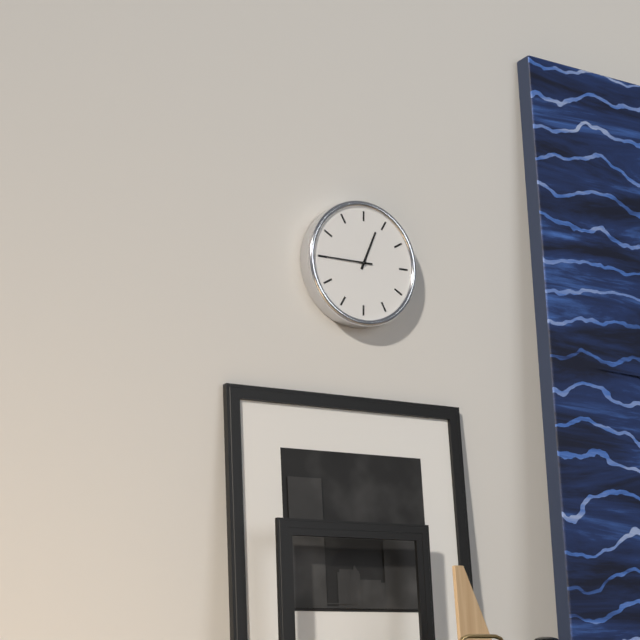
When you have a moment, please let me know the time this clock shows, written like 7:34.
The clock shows 12:45
